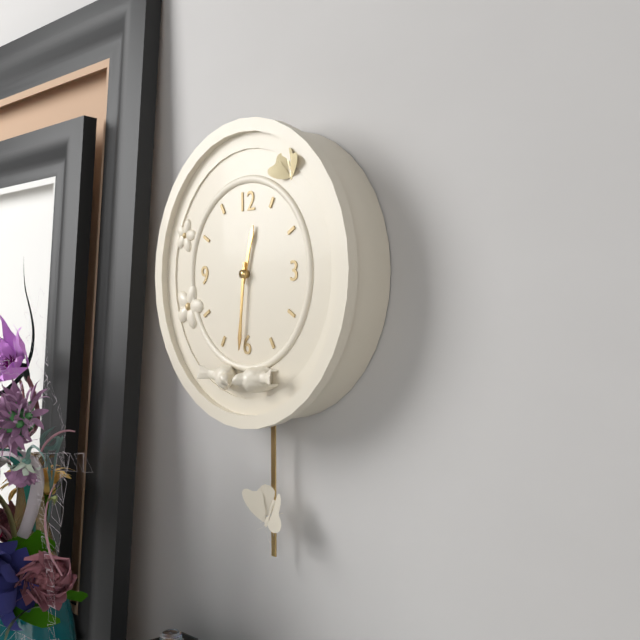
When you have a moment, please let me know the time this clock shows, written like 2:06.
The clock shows 12:31
